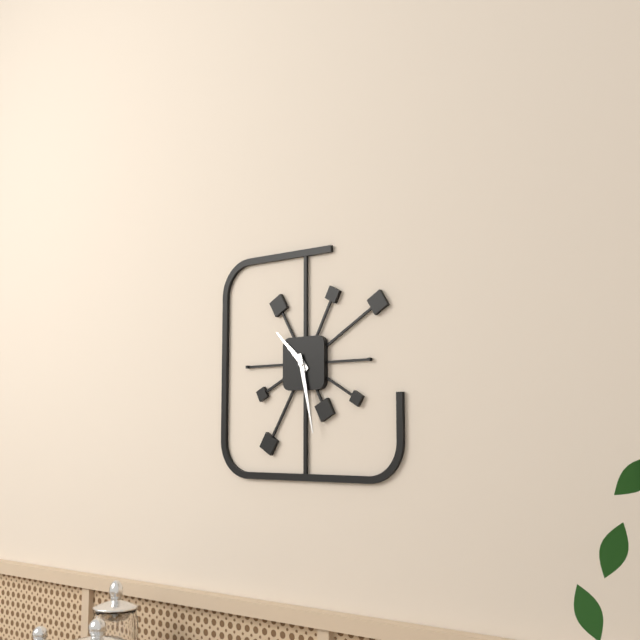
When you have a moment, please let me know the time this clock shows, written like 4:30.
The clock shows 10:28
